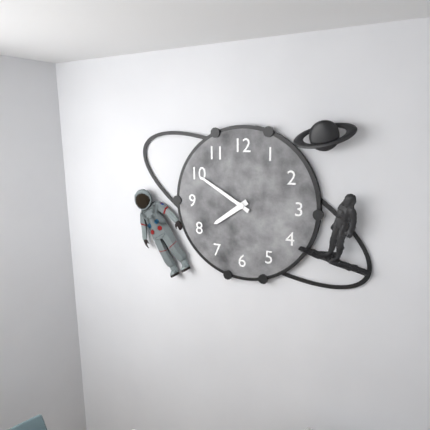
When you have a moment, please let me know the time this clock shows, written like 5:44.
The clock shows 7:50
